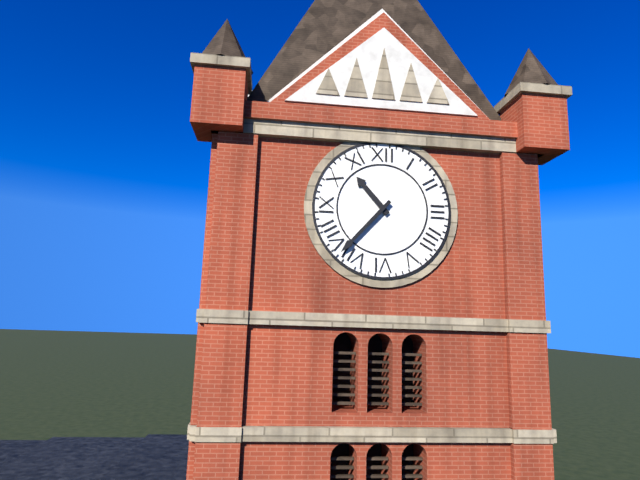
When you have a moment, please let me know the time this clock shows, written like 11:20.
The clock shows 10:37
